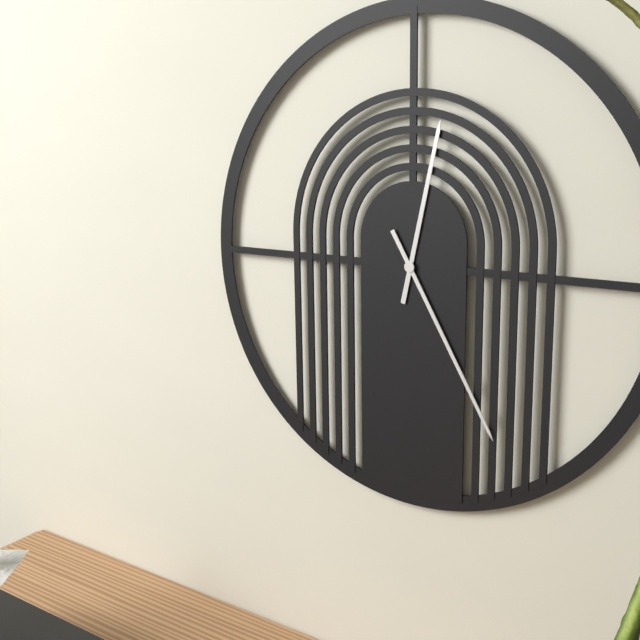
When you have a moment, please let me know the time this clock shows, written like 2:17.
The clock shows 12:25
